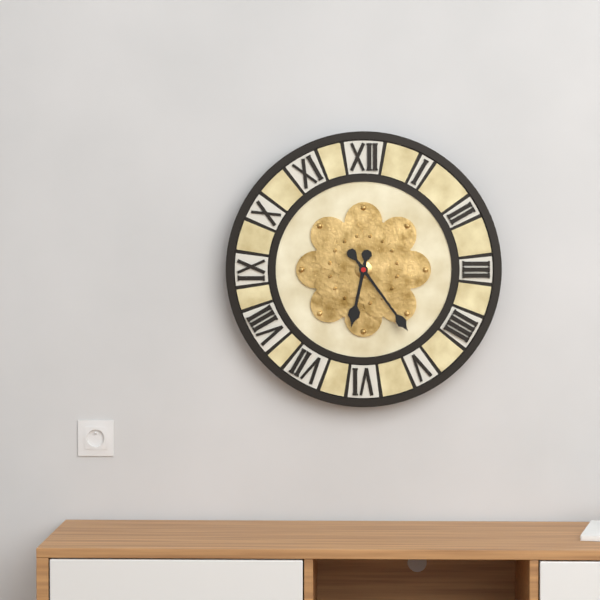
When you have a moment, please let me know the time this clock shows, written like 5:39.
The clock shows 6:24
